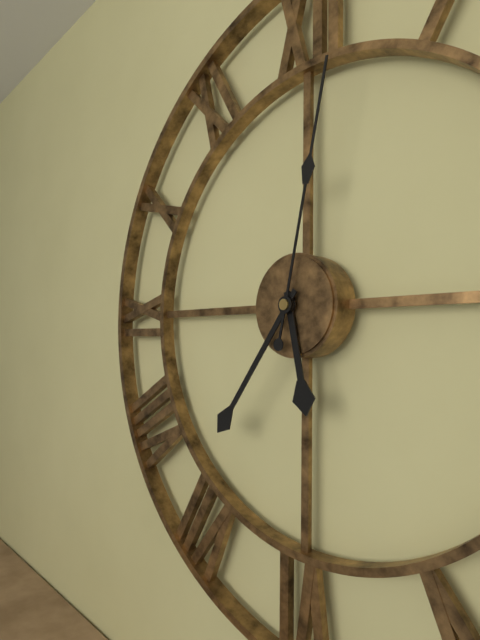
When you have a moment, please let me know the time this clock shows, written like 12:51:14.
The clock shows 5:36:02
